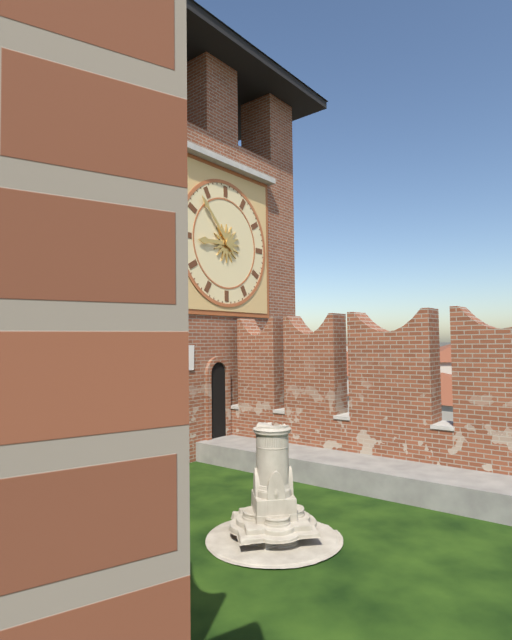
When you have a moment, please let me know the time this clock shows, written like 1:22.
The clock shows 8:53
